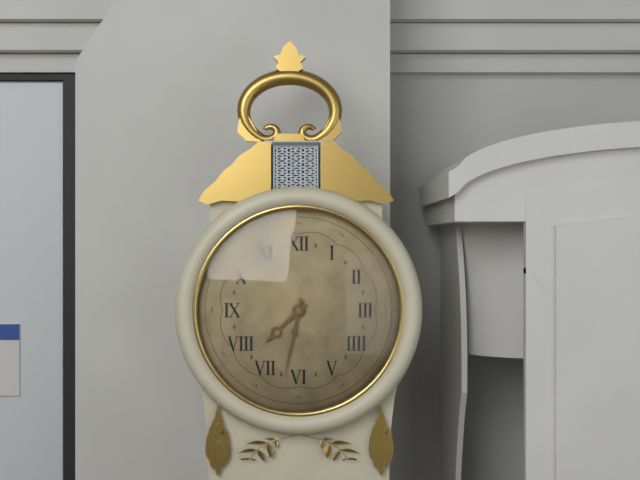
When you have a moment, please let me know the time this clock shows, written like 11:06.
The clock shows 7:32
